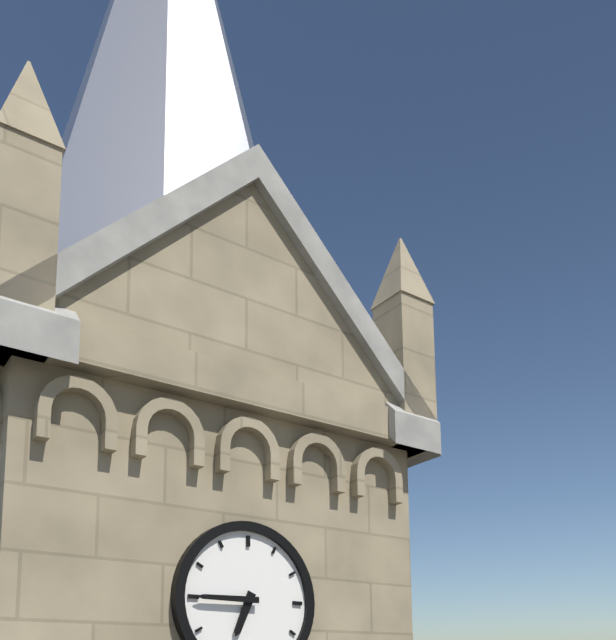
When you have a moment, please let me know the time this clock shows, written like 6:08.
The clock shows 6:45
